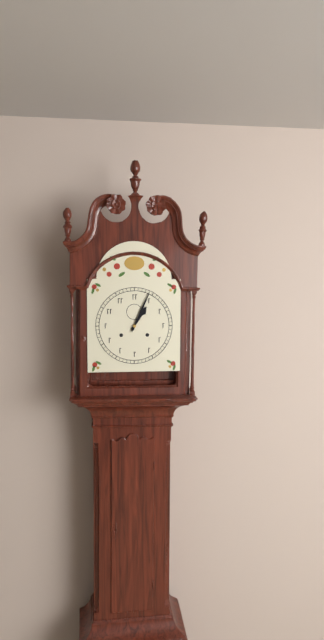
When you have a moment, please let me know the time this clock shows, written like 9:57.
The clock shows 1:04
